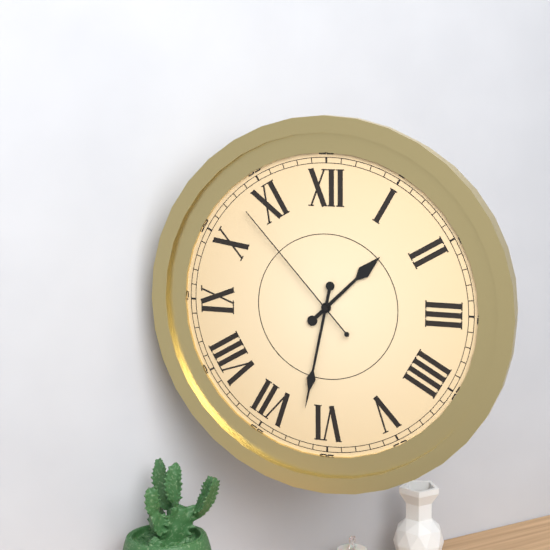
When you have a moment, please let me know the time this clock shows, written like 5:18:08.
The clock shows 1:32:53
